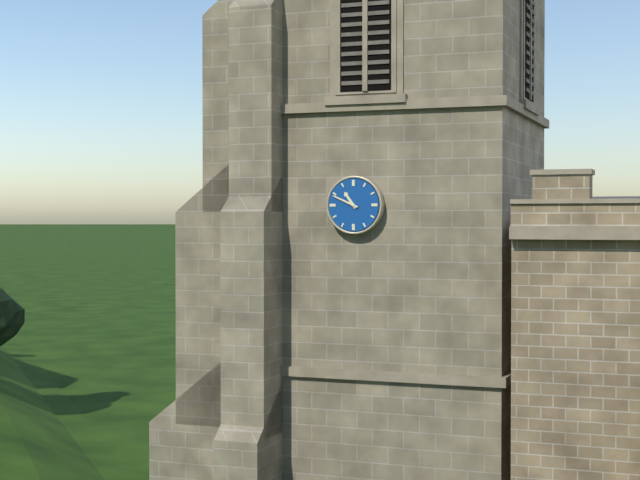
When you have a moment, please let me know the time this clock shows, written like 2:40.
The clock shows 10:49
